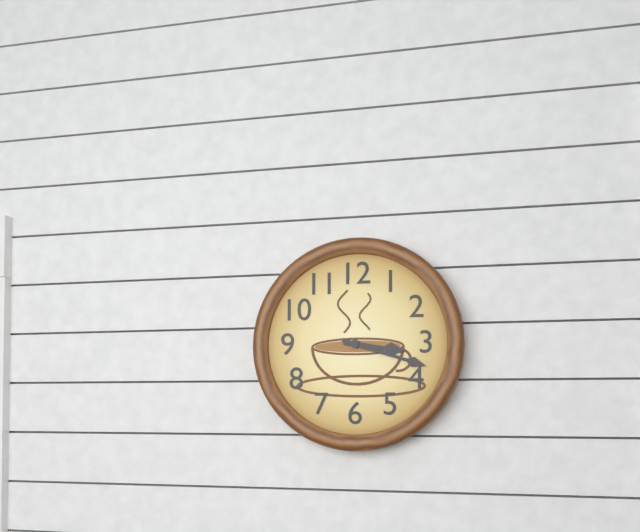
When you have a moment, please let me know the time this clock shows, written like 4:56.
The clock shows 3:18
